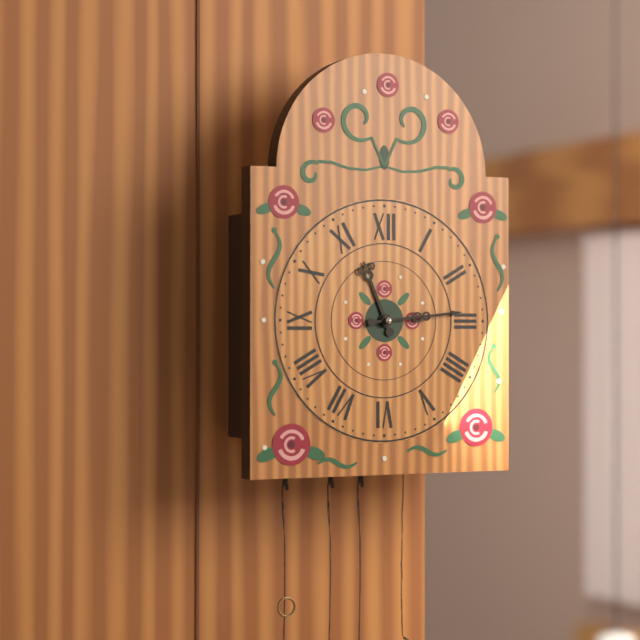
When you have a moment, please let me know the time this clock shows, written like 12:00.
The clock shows 11:14
